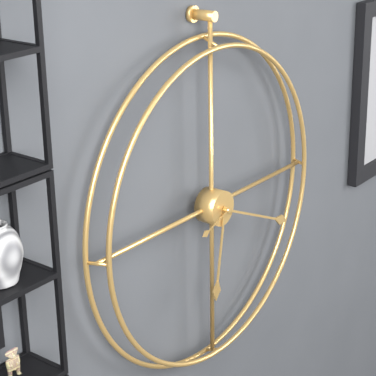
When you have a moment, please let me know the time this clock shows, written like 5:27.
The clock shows 6:19
